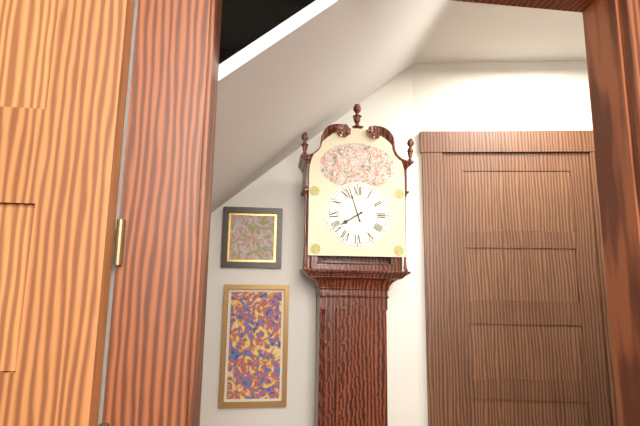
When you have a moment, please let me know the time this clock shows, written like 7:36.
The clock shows 7:57
